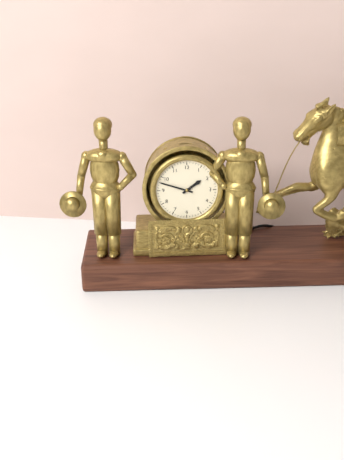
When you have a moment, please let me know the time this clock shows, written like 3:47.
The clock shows 1:48
